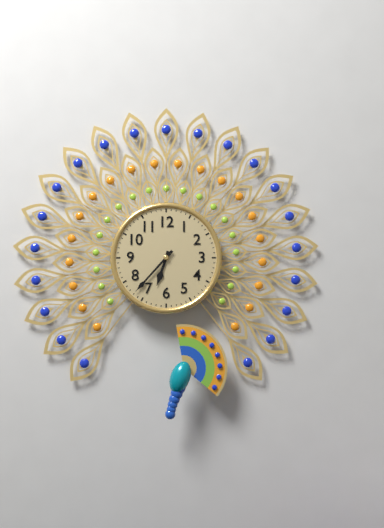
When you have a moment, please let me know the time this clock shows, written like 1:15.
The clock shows 6:37
